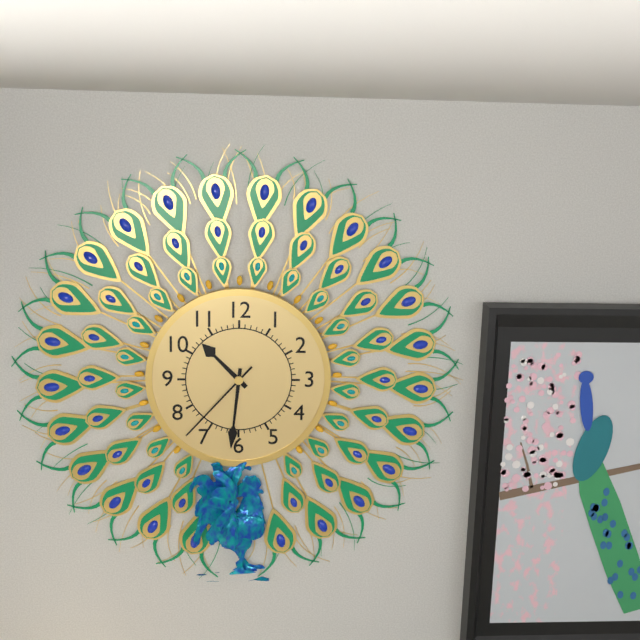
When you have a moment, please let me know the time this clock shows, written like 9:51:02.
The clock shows 10:31:37
